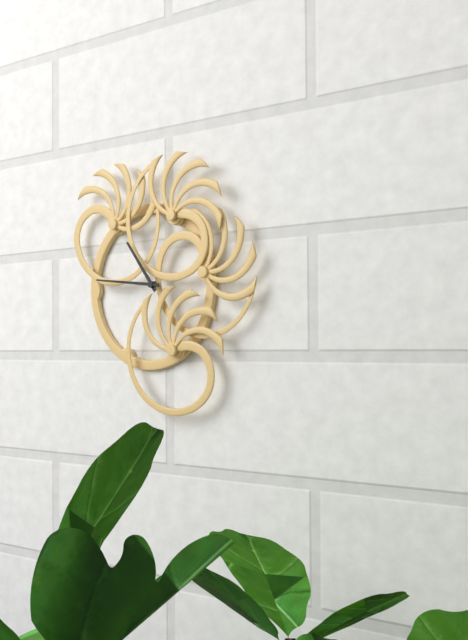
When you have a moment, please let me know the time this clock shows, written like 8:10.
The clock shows 10:46
